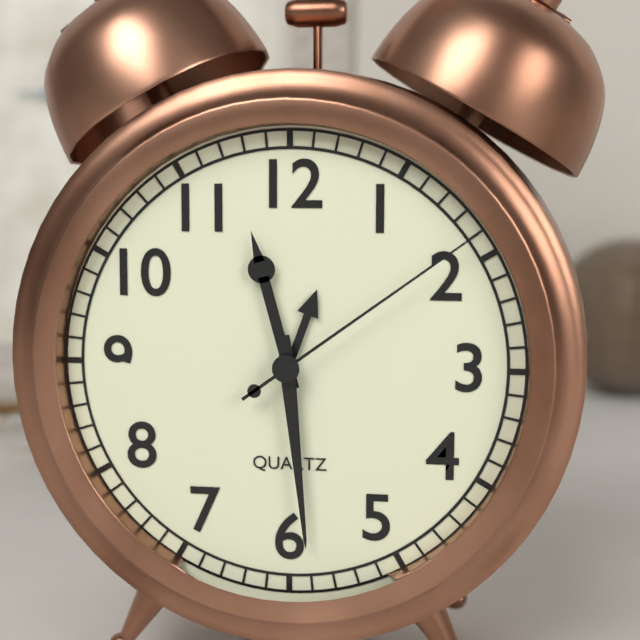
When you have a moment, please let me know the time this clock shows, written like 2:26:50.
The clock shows 11:29:09
